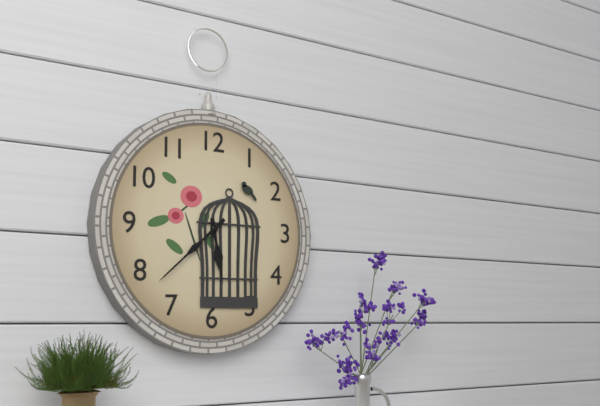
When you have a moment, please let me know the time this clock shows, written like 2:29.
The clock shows 5:38
